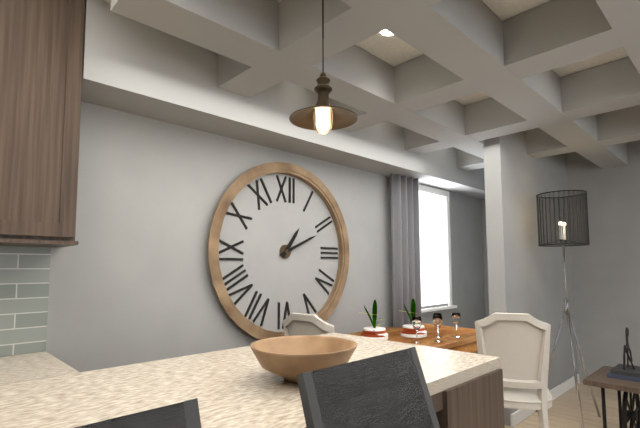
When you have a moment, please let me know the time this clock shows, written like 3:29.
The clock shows 1:11
